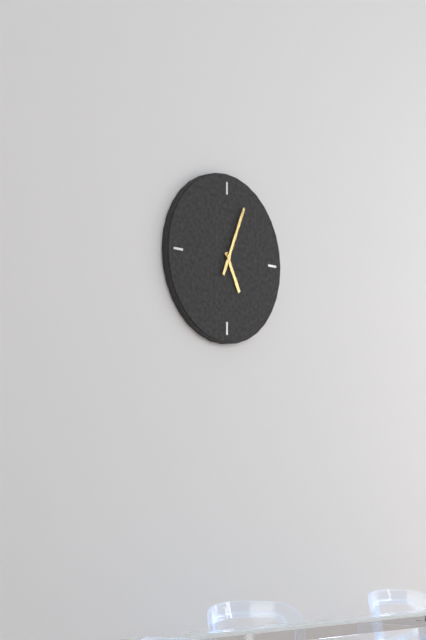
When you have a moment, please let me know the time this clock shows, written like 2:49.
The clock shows 5:04
